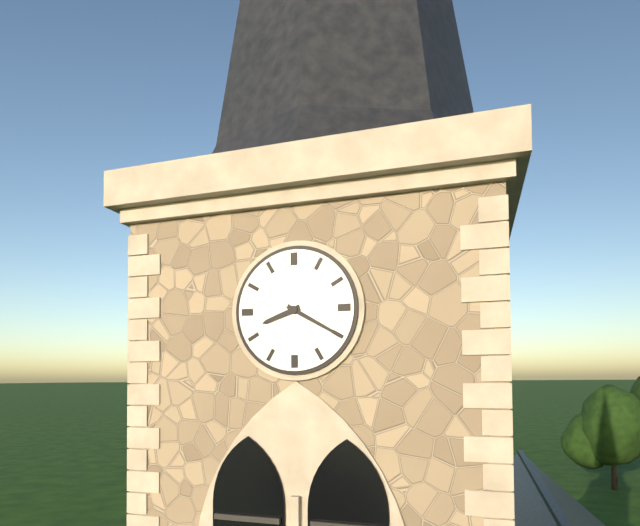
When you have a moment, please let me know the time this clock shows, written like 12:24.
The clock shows 8:20
